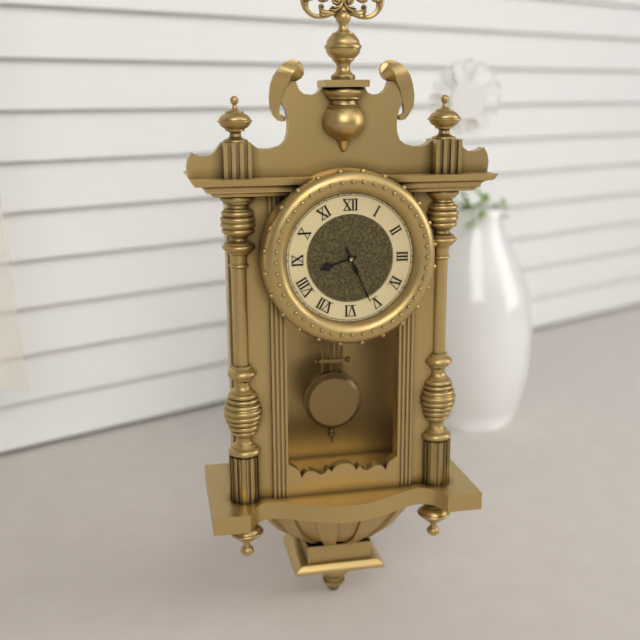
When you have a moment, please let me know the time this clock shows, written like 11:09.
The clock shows 8:26
